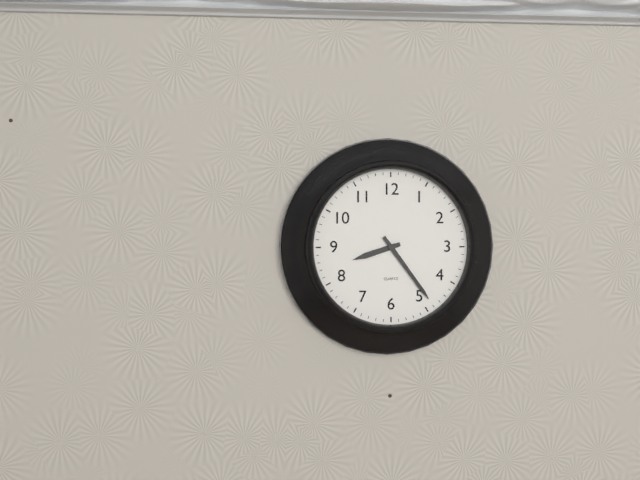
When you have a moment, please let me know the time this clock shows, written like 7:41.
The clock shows 8:24
